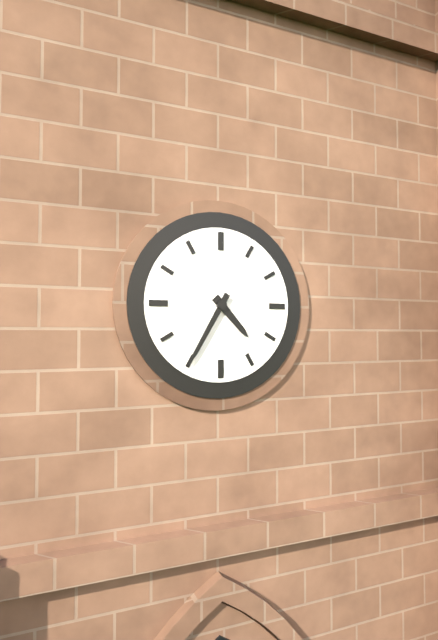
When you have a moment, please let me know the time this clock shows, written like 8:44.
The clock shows 4:35
